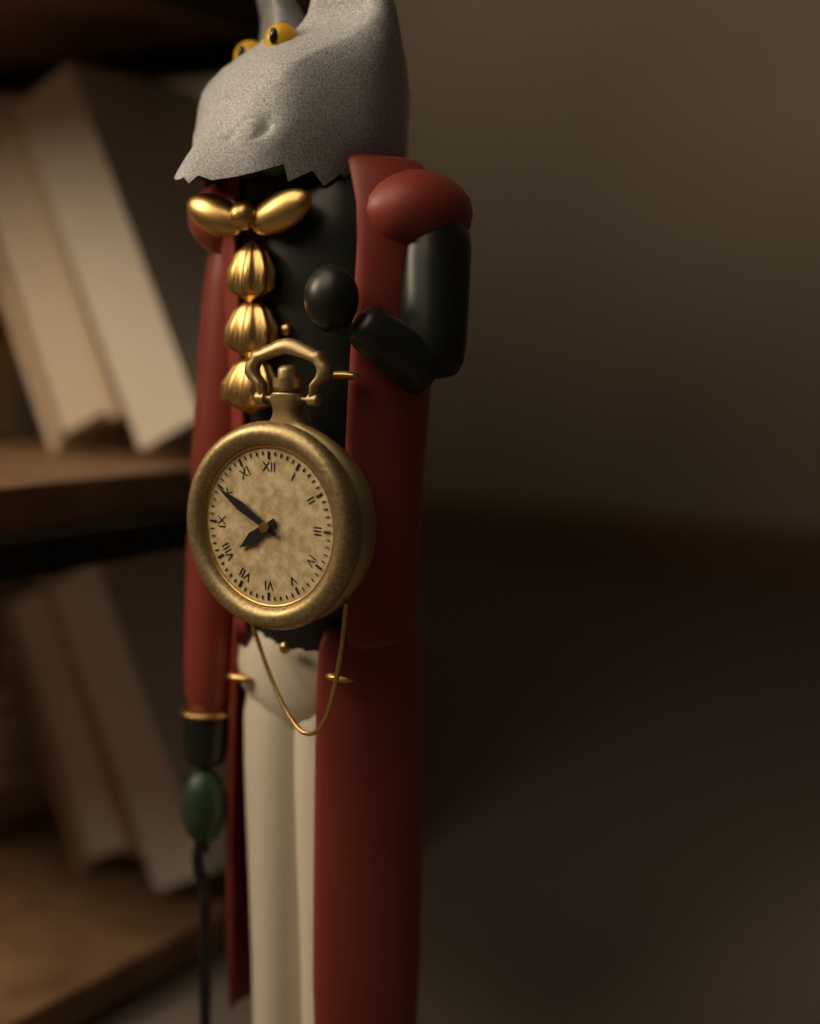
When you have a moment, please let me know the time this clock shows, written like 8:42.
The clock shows 7:50
